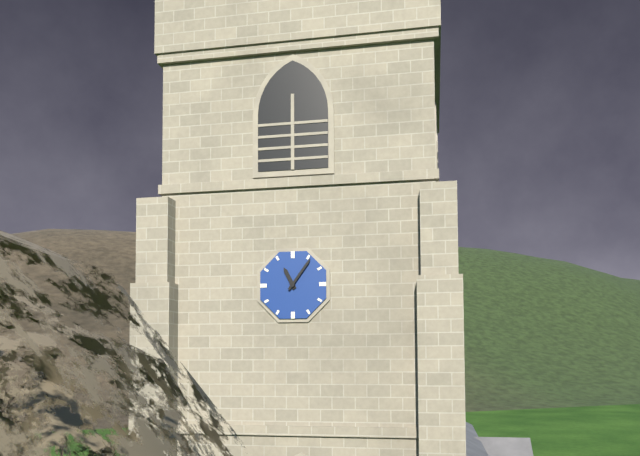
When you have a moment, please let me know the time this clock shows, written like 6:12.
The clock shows 11:06
